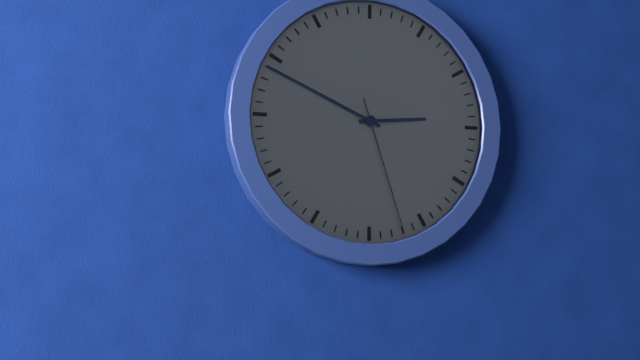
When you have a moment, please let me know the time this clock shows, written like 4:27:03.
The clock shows 2:49:27
